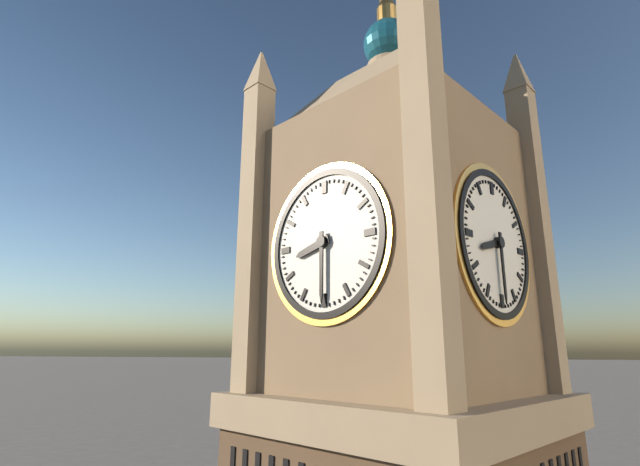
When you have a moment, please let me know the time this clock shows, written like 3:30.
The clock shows 8:30
